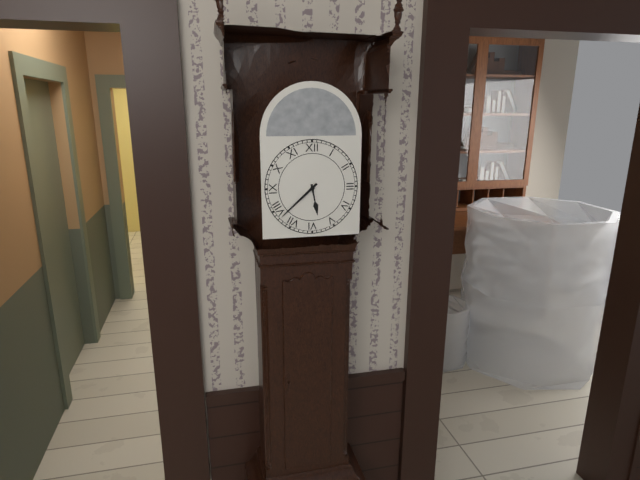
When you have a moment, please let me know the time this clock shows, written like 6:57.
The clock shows 5:38
